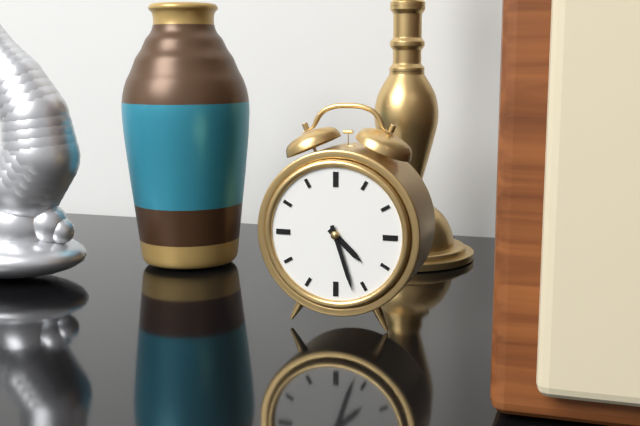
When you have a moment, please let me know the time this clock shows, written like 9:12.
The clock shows 4:27
